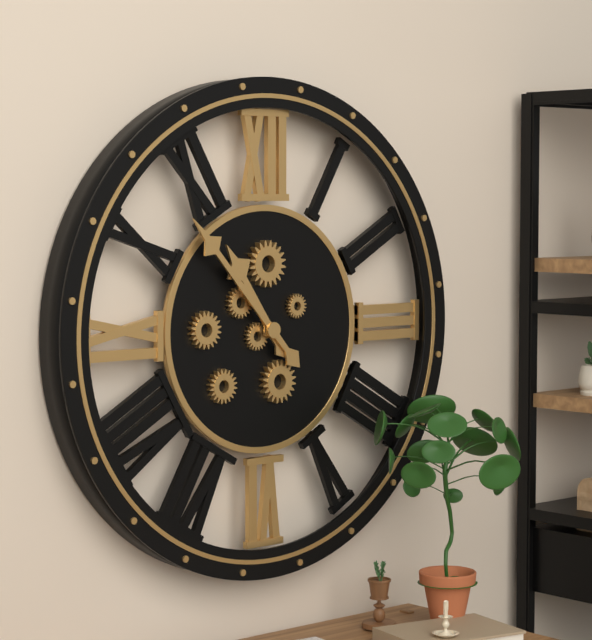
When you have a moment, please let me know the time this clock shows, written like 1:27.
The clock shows 10:53
